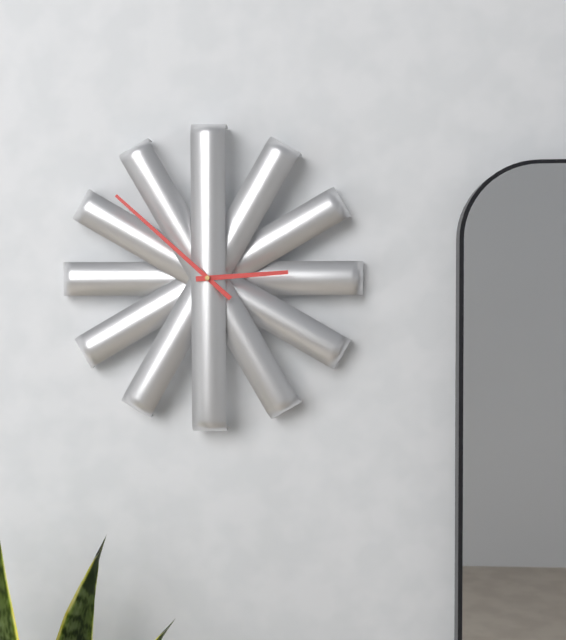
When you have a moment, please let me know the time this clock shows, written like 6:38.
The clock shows 2:52
